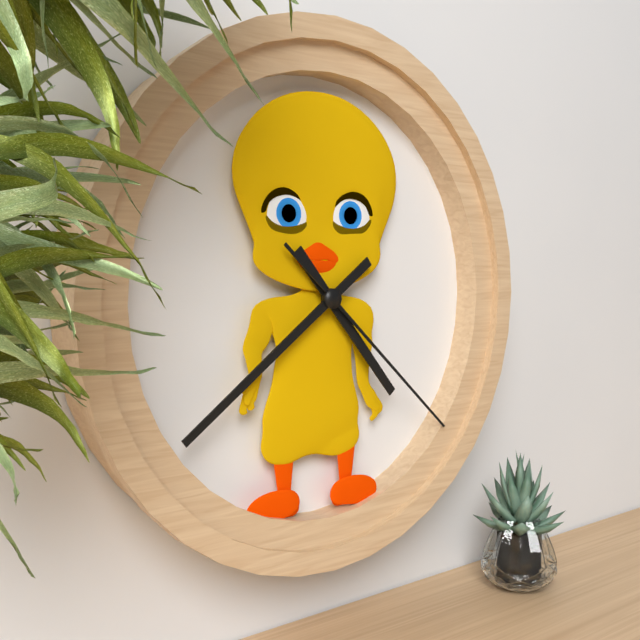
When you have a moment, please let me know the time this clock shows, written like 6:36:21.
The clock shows 4:39:22
